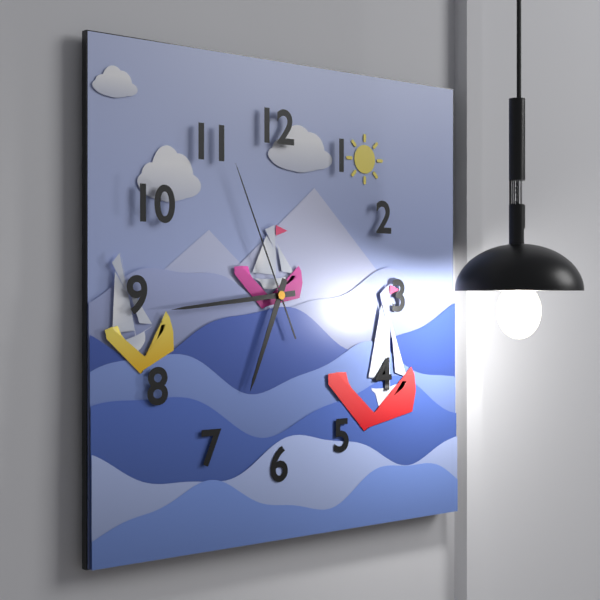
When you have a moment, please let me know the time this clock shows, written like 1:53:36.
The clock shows 6:44:56
